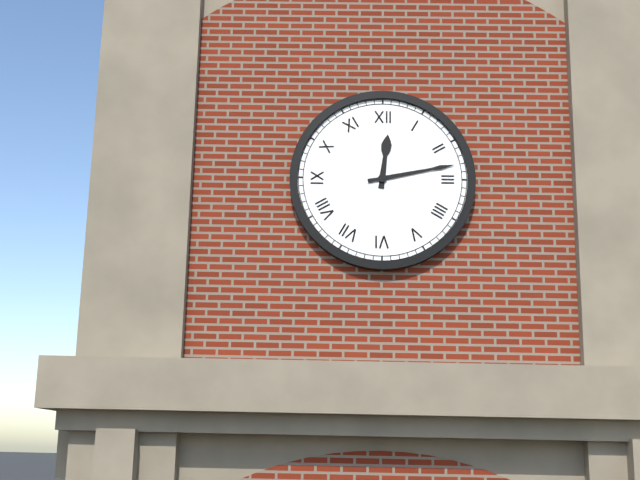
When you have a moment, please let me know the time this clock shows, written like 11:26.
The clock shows 12:13
